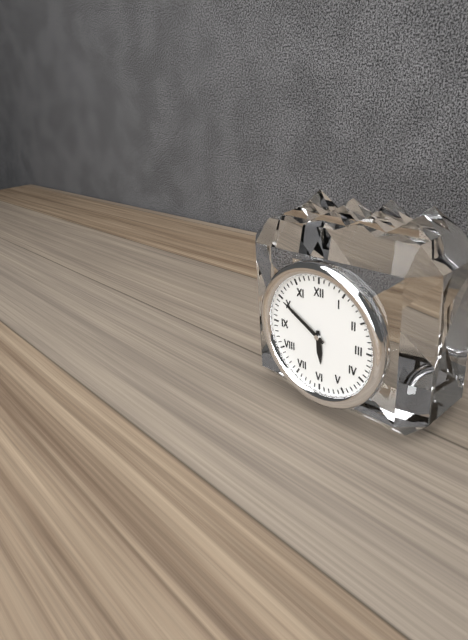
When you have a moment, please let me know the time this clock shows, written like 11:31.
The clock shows 5:50
